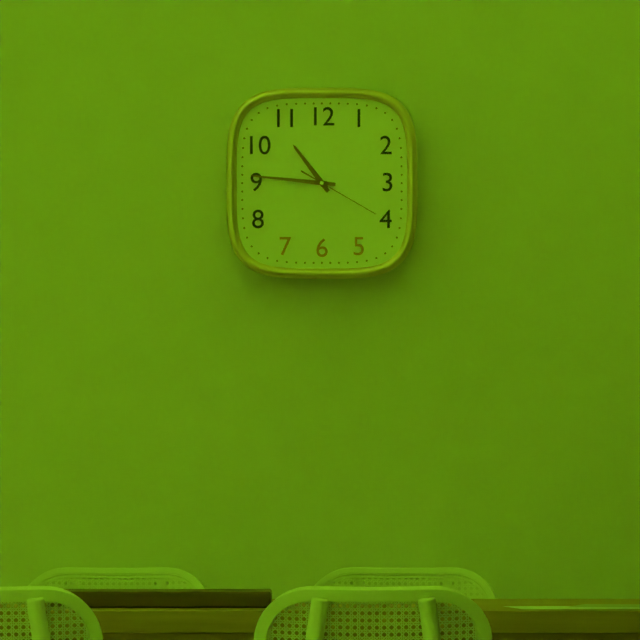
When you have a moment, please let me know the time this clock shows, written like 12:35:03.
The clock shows 10:46:20
